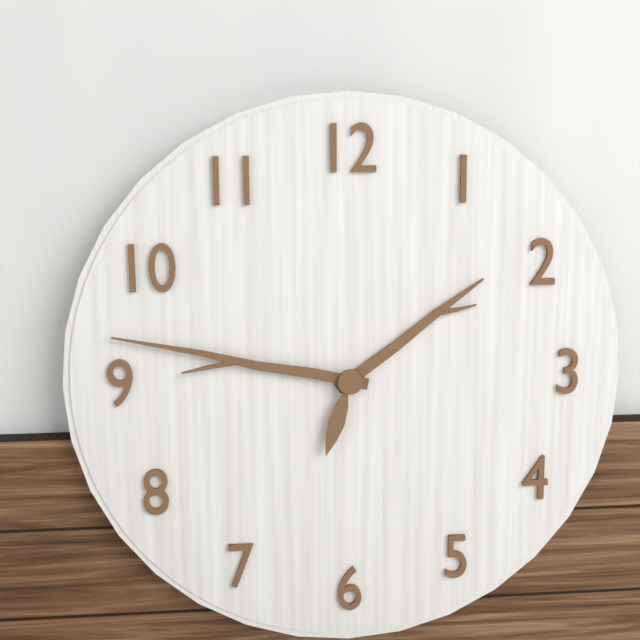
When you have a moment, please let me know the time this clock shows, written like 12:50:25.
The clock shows 1:47:33
